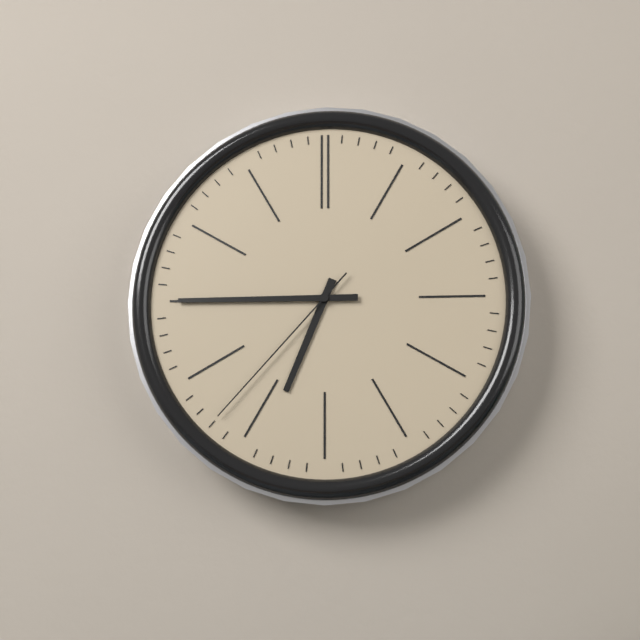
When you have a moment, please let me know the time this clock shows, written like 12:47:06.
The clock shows 6:45:37
